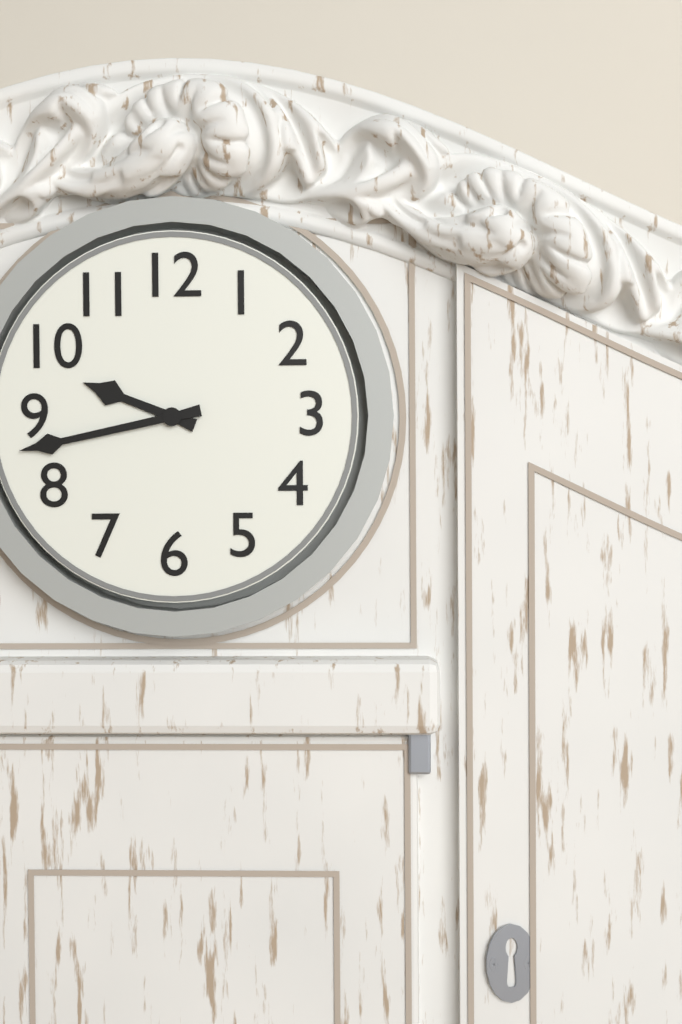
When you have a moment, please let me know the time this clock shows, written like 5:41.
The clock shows 9:43
